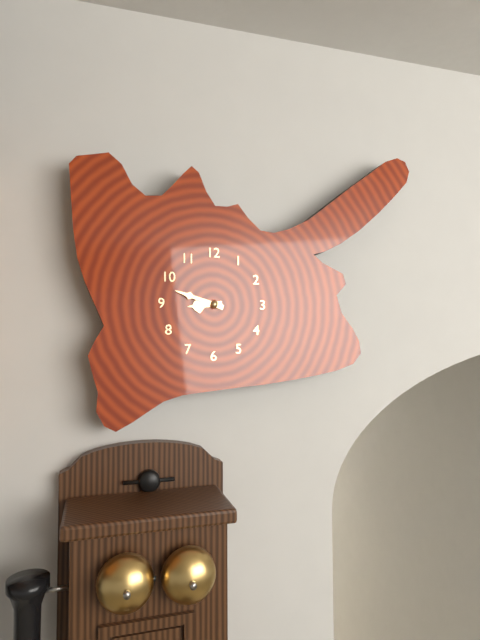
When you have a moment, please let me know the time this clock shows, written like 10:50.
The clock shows 8:48
